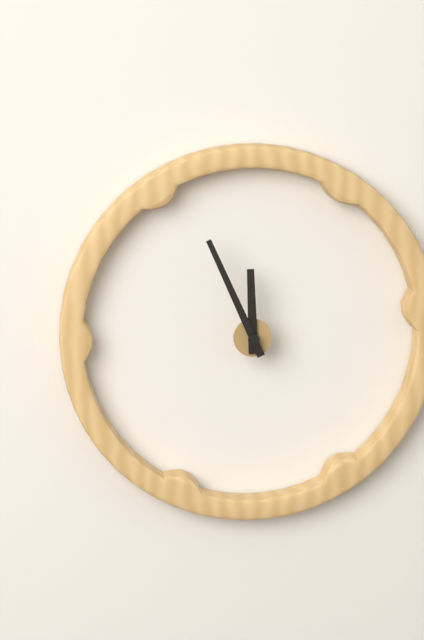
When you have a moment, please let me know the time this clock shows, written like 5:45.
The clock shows 11:56
